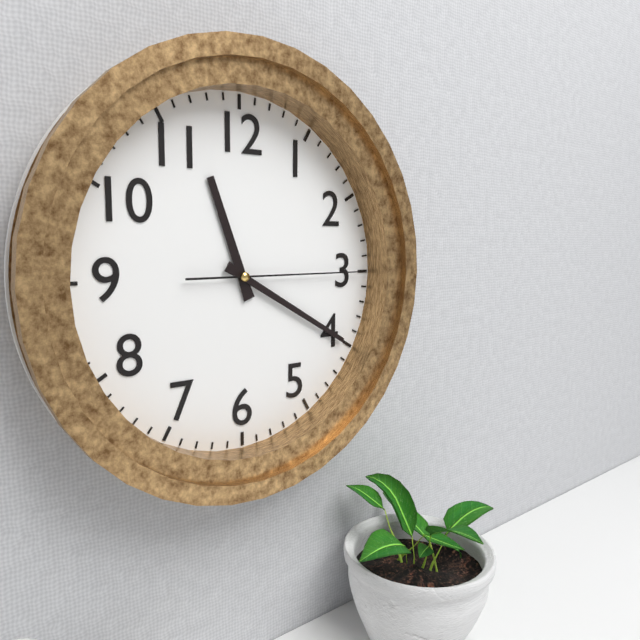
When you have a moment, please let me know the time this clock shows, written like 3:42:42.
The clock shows 11:20:15
